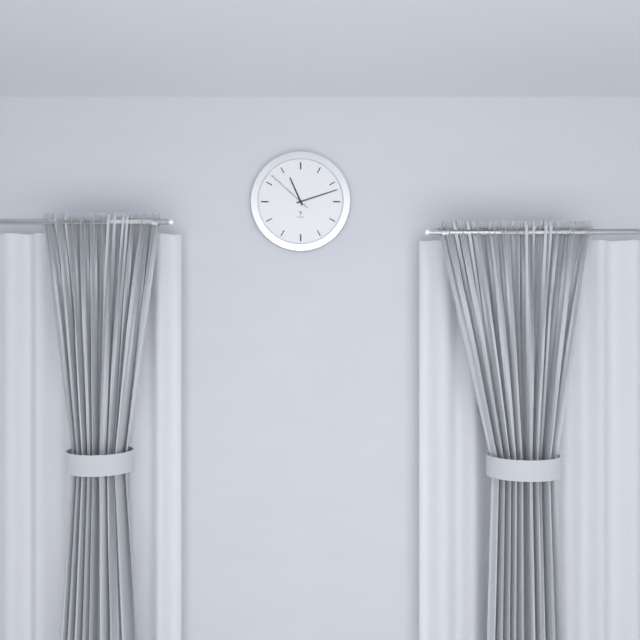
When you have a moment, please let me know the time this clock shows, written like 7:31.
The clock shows 11:12
